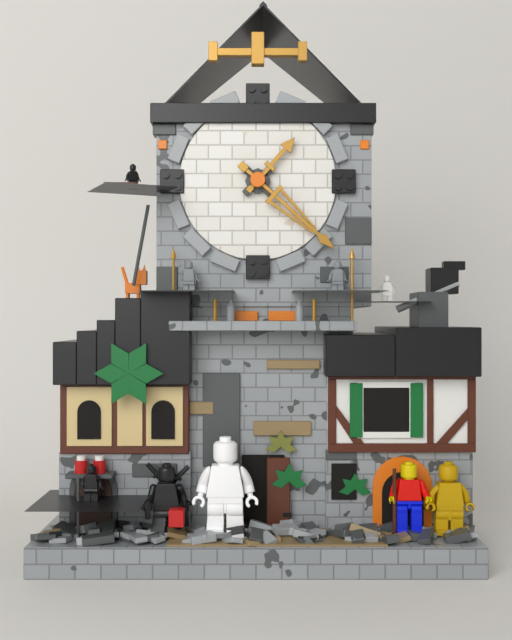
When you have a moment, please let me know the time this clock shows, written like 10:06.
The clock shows 1:22
